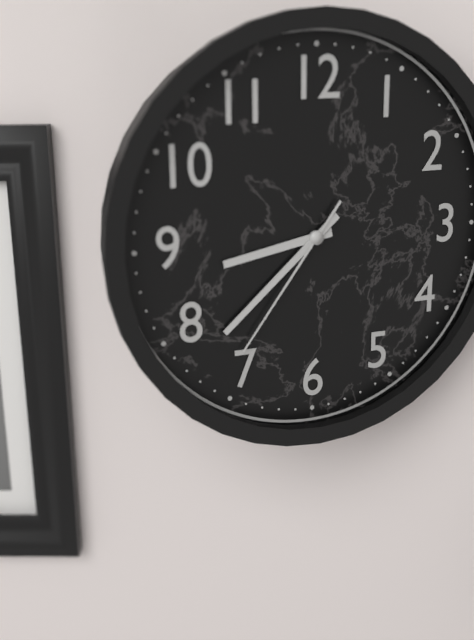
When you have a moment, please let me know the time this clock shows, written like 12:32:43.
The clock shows 8:38:36
